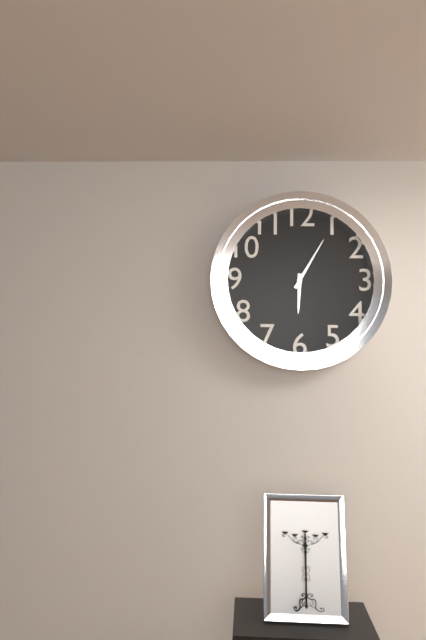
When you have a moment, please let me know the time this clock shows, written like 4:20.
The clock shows 6:05
